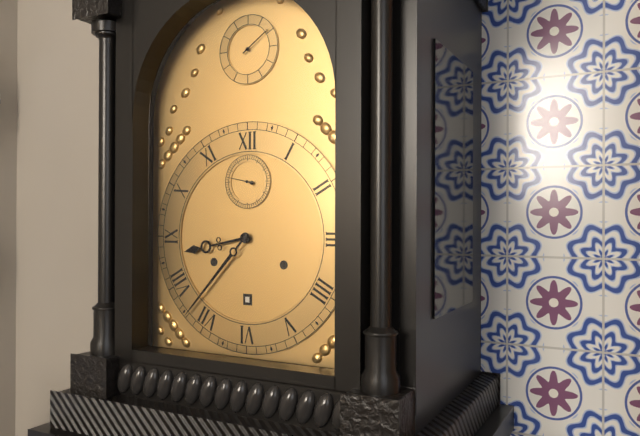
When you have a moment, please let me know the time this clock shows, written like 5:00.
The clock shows 8:37
